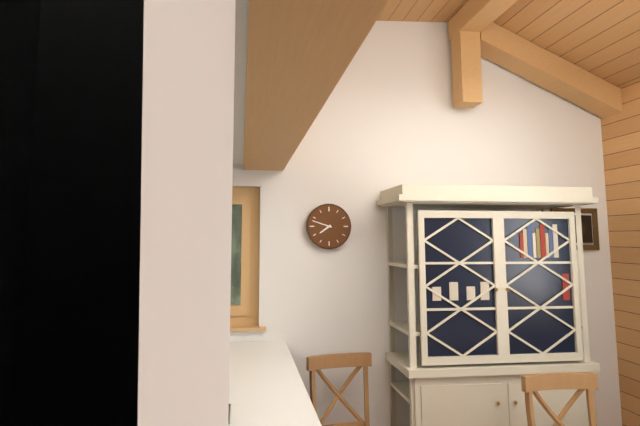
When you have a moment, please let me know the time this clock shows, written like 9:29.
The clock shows 7:48
